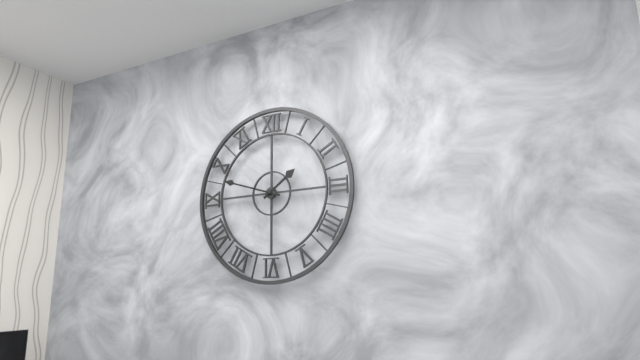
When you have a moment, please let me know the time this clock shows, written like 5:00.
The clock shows 1:48
